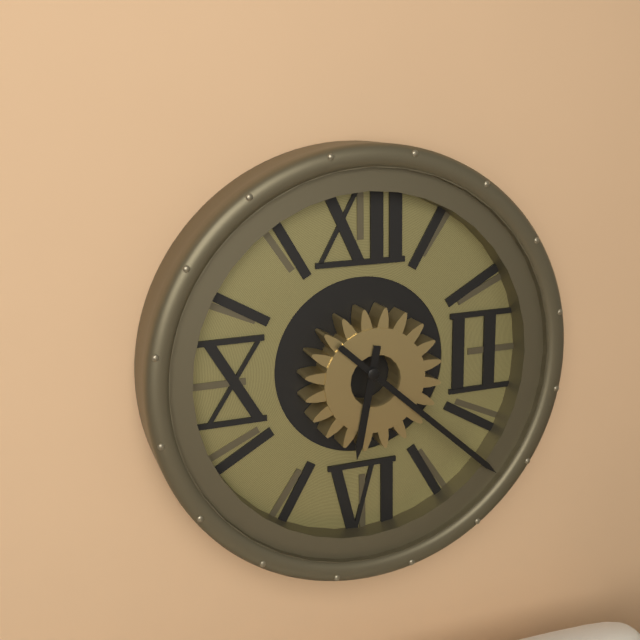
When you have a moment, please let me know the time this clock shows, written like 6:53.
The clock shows 6:22
